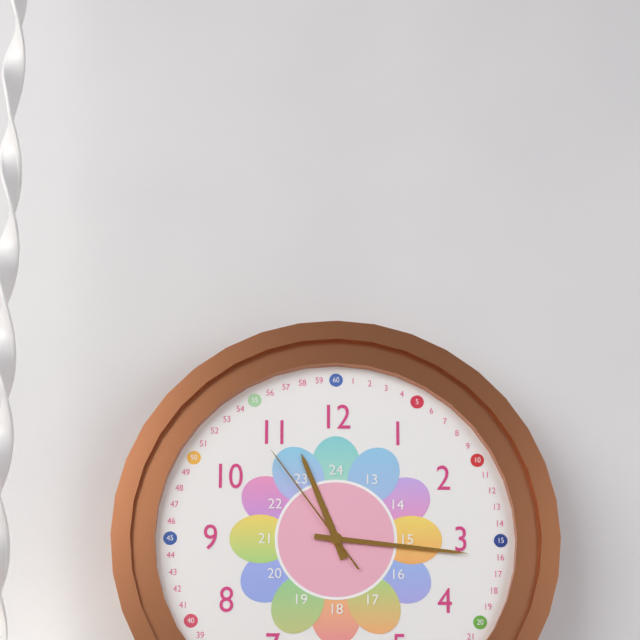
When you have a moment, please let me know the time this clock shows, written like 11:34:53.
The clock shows 11:16:54
